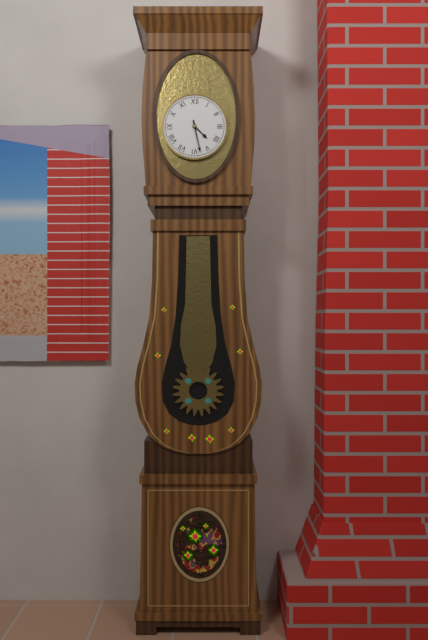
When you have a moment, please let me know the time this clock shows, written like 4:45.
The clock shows 4:28
